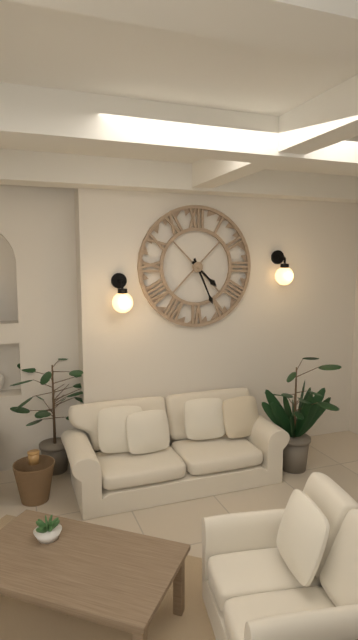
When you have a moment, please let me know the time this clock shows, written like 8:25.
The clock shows 4:26
